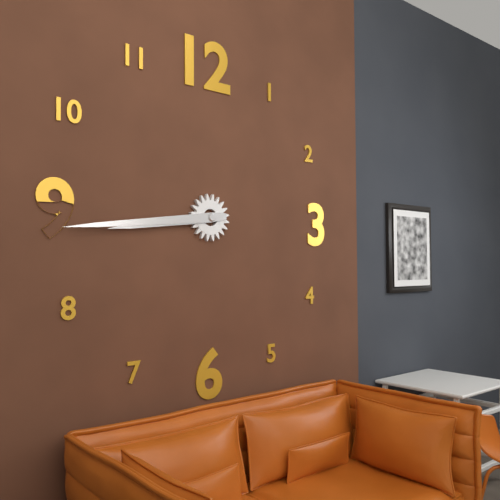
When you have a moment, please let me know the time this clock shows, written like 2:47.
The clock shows 8:44
